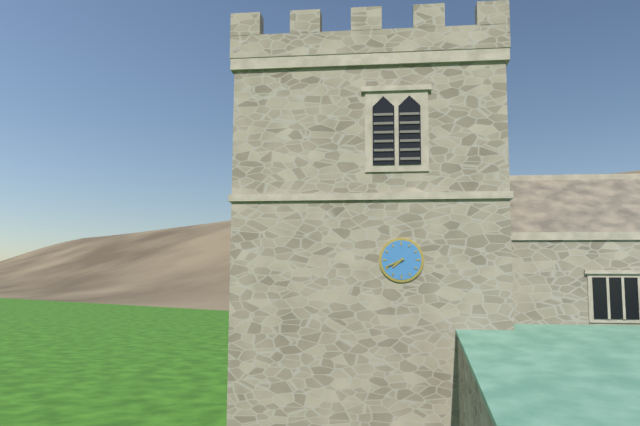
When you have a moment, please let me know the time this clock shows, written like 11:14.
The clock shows 7:41
